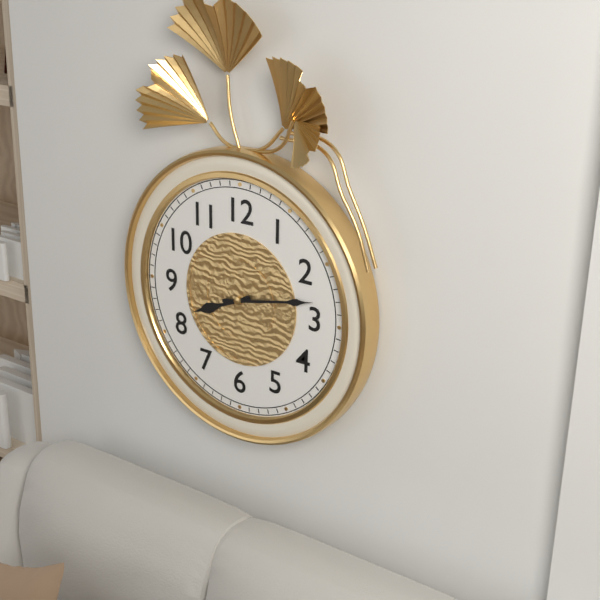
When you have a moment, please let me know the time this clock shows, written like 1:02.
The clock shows 8:13
